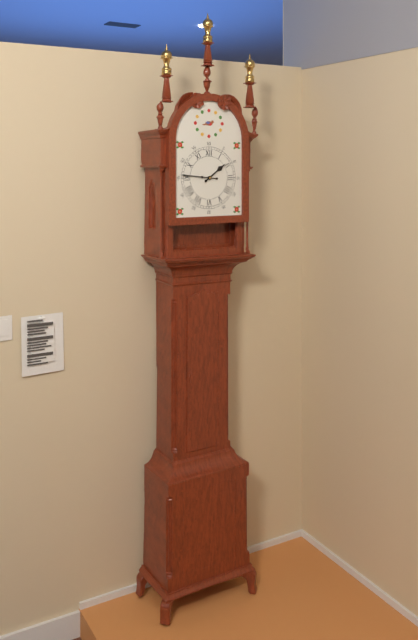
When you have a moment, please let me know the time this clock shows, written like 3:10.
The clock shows 1:46
